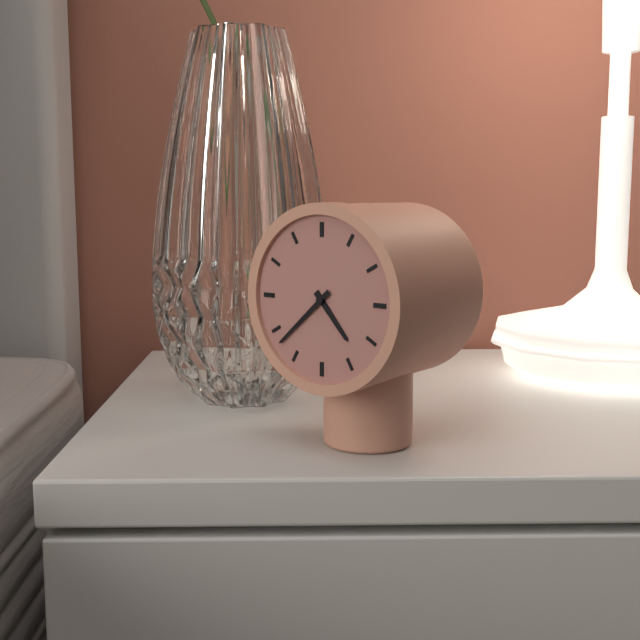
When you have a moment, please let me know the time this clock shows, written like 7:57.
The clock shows 4:38
